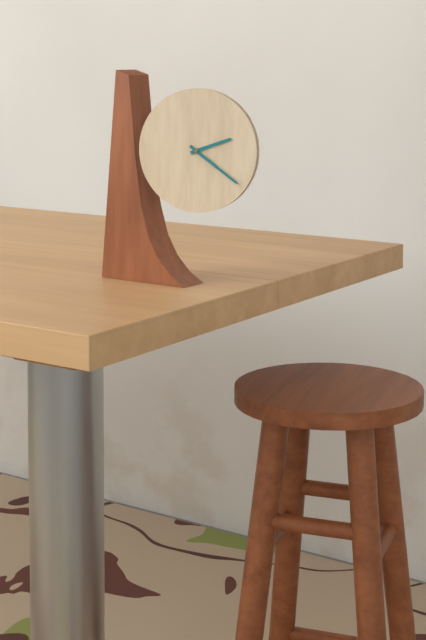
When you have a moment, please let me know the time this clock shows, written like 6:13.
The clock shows 2:21
